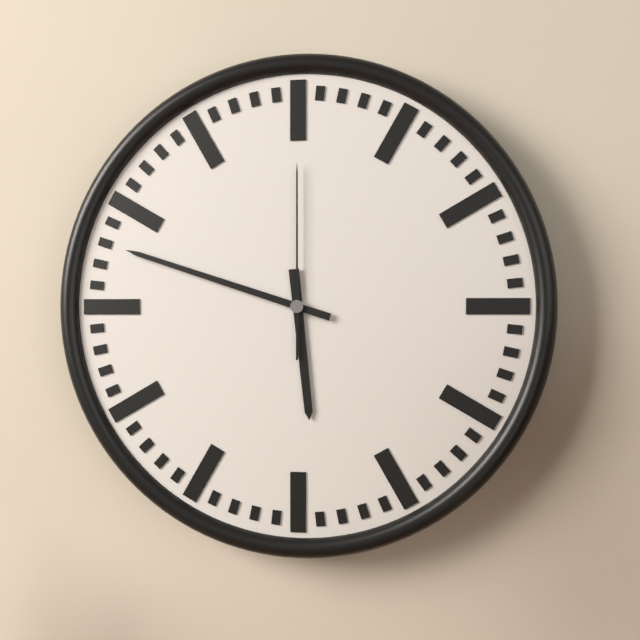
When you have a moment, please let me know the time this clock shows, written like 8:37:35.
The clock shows 5:48:00
